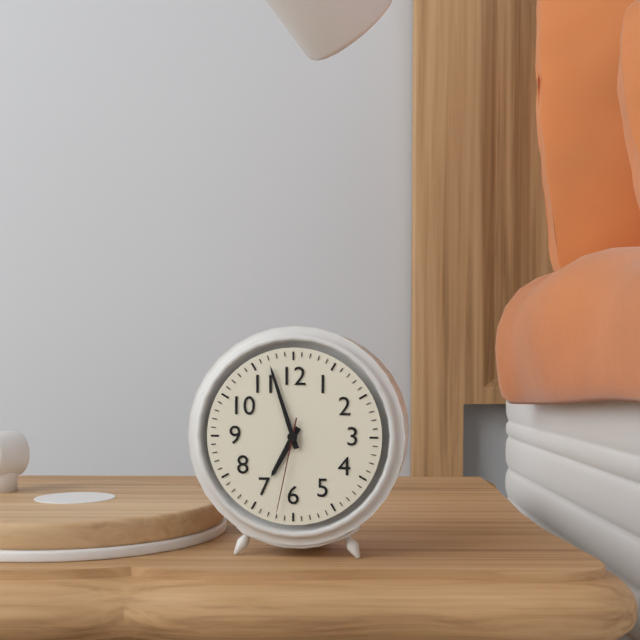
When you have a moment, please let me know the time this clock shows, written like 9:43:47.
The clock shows 6:57:32
